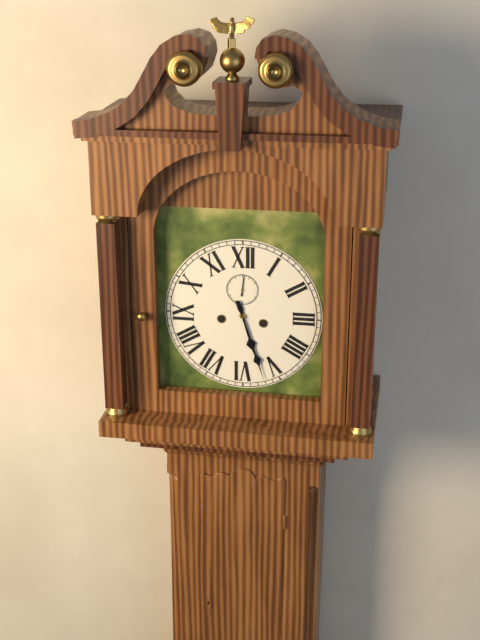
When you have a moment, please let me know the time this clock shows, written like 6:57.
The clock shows 5:27
